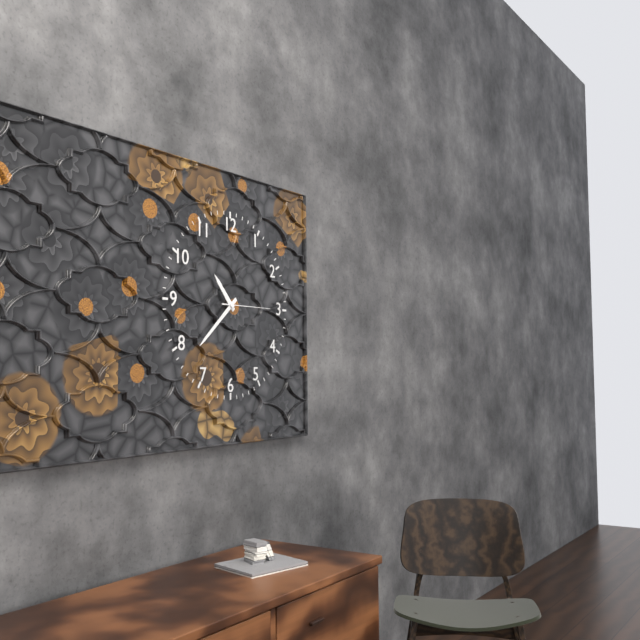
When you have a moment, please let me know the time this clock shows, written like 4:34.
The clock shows 10:38
